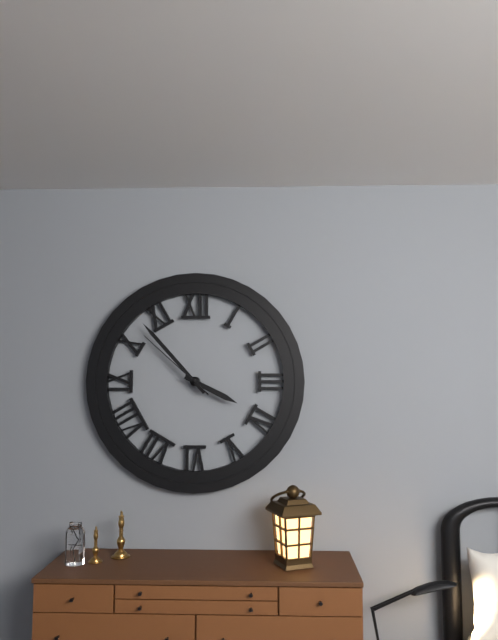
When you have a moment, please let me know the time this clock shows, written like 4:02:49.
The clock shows 3:53:52
